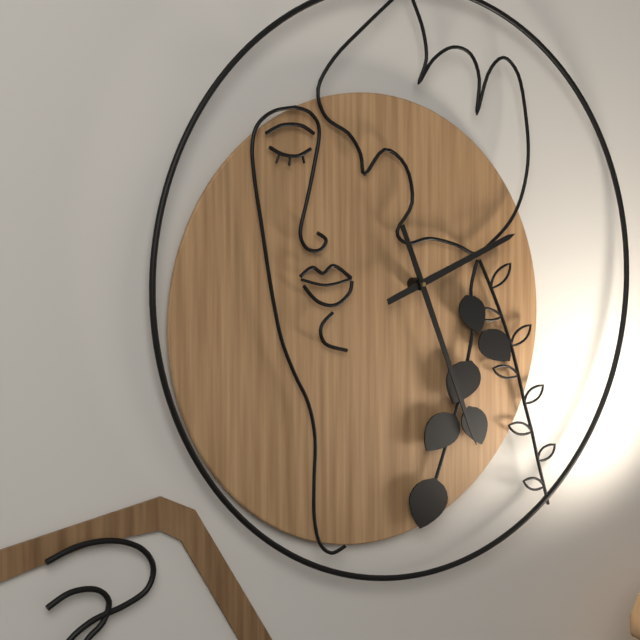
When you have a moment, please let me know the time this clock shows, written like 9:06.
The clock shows 2:27
